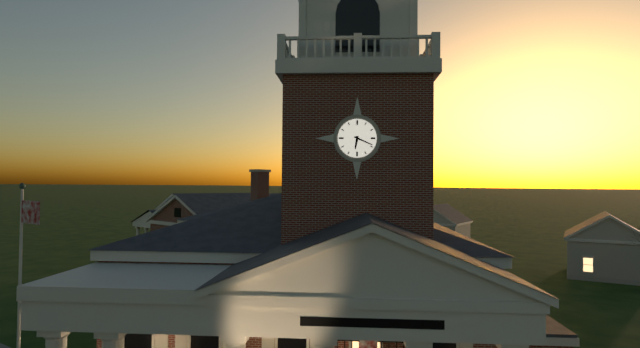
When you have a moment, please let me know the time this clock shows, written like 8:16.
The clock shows 6:19
